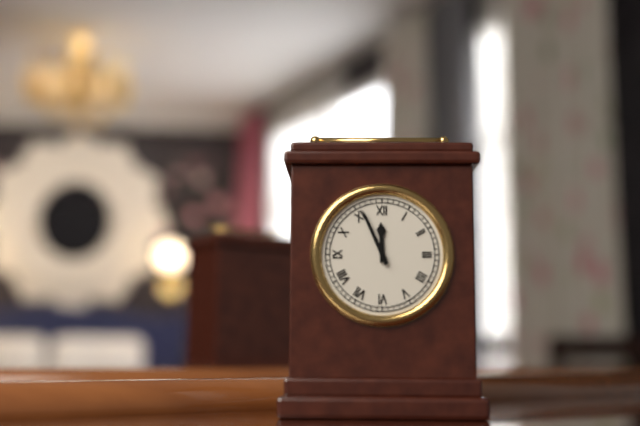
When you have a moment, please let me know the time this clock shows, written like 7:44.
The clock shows 11:56
